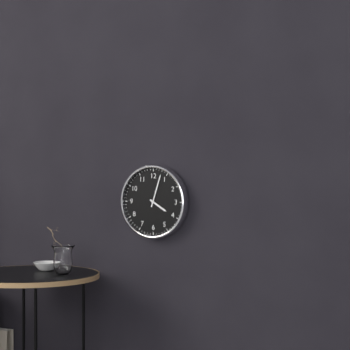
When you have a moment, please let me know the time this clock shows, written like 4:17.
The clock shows 4:03
